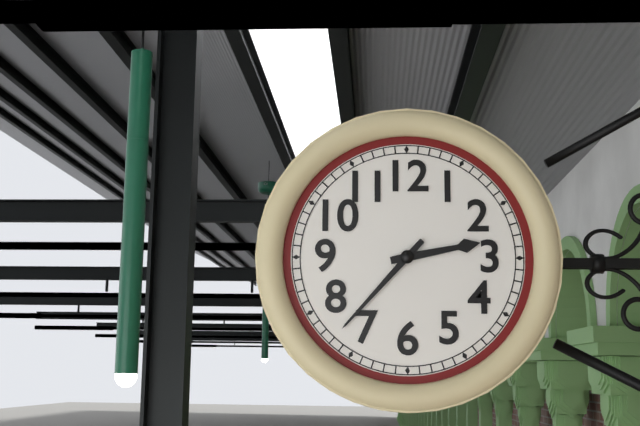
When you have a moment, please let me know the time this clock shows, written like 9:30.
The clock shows 2:37
